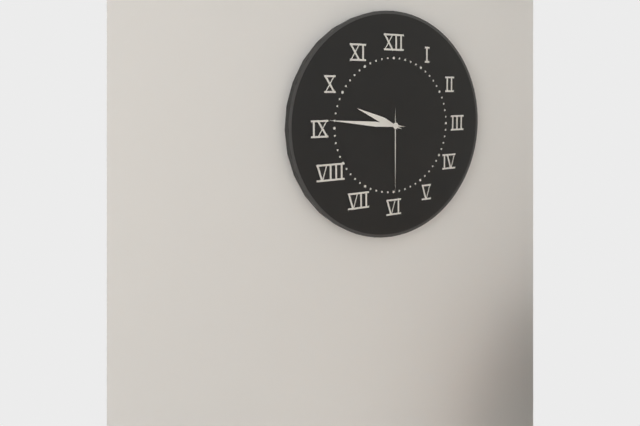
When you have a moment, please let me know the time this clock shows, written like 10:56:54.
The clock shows 9:46:30
